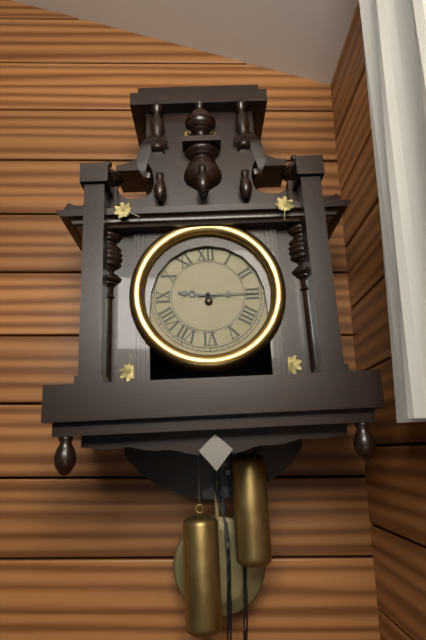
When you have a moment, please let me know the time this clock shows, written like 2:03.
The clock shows 9:15
